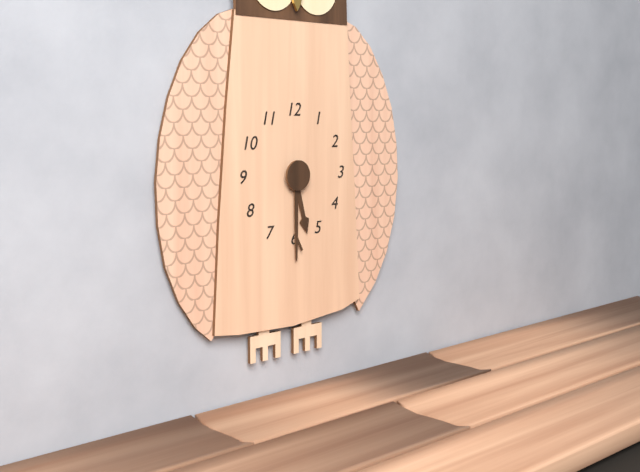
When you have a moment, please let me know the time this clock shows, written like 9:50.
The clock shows 5:30
